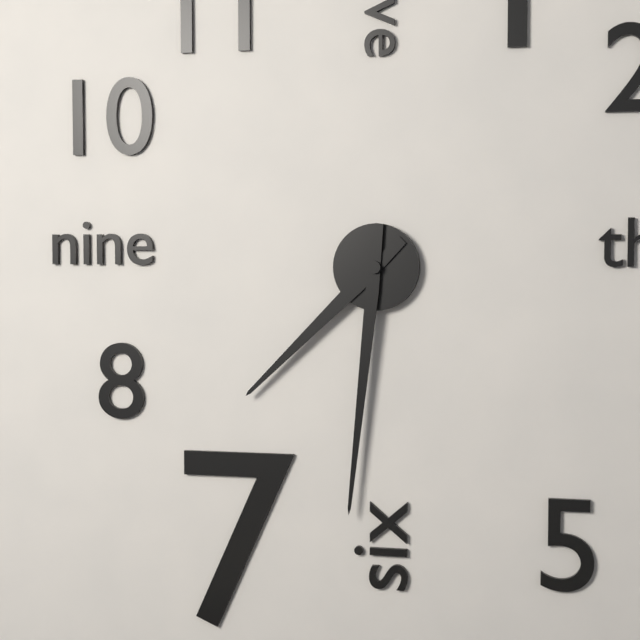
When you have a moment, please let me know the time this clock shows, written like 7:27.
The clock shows 7:31
